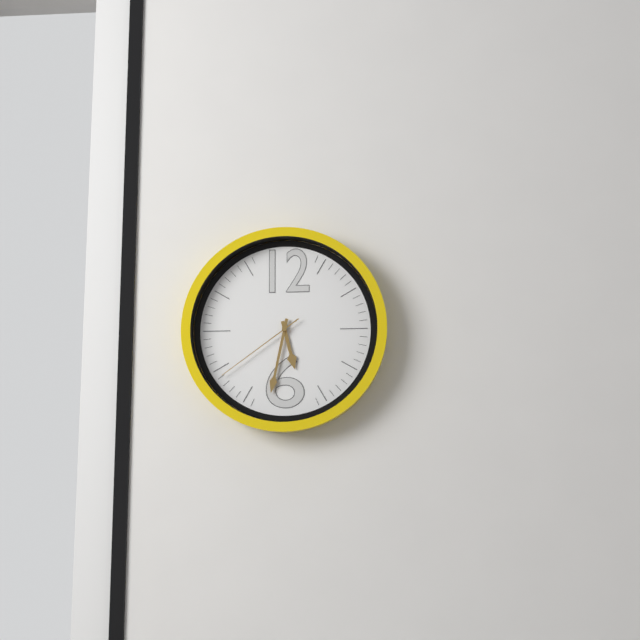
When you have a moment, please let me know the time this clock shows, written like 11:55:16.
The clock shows 5:32:39
